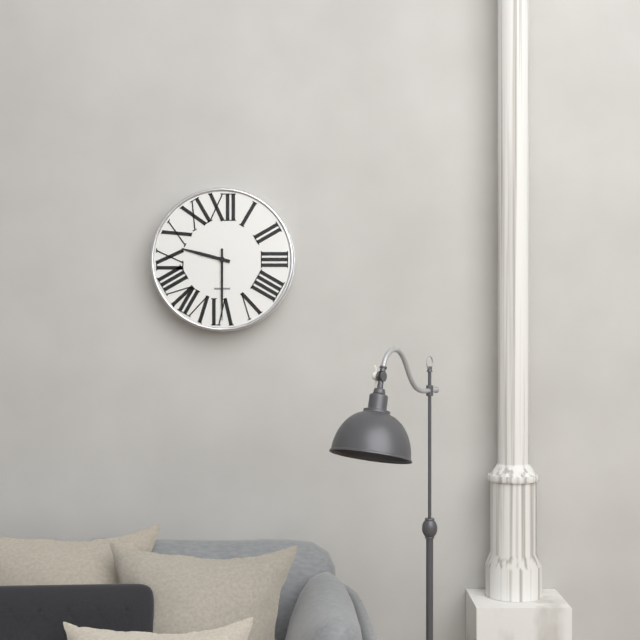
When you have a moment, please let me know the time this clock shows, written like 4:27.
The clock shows 9:30
